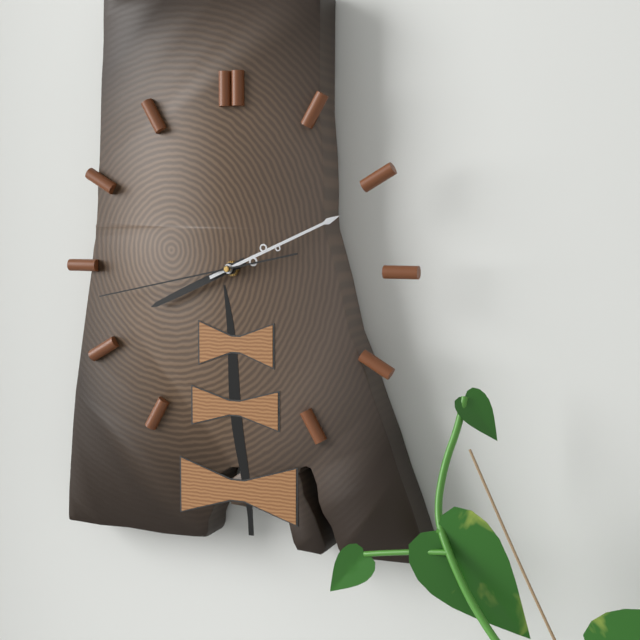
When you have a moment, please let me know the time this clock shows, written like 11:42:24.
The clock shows 8:11:43
